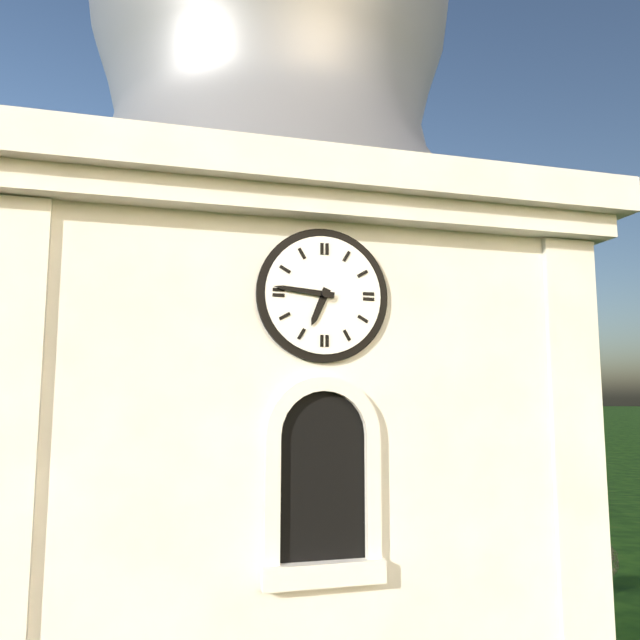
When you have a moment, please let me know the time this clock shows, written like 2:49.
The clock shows 6:46
